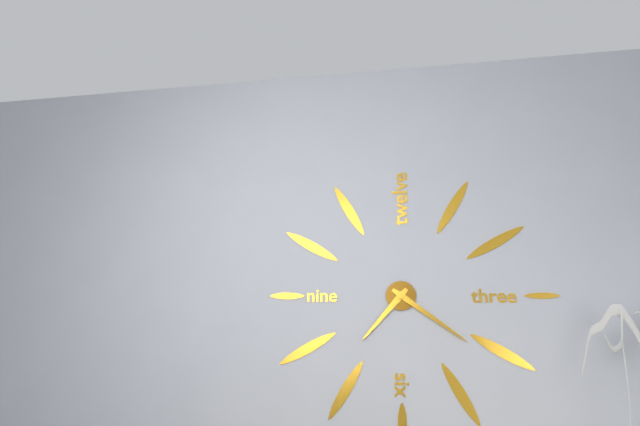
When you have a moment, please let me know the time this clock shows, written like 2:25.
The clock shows 7:21
